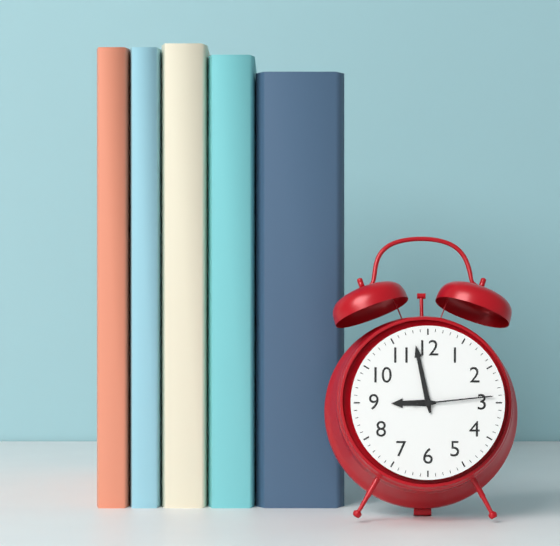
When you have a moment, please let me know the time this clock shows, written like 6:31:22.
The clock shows 8:58:14
